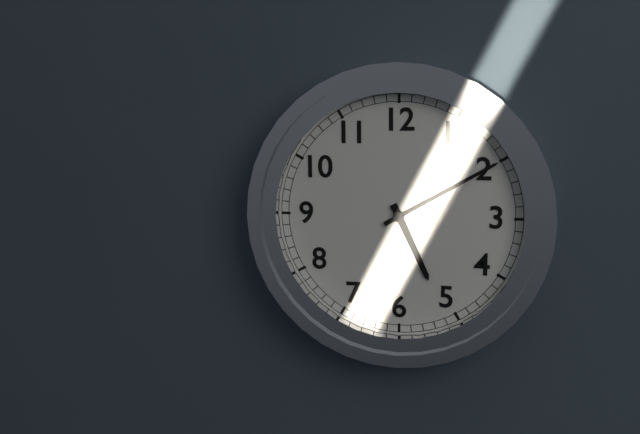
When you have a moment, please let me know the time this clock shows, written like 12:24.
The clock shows 5:10
